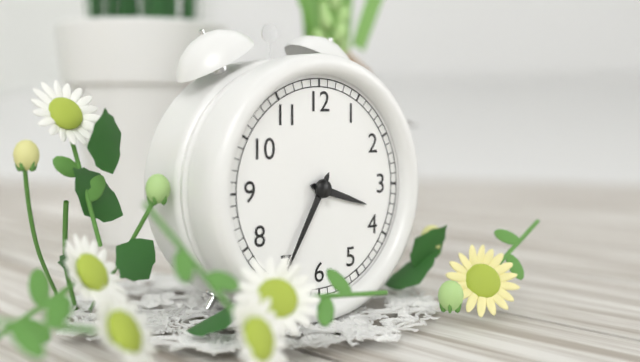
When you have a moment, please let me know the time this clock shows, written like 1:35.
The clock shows 3:35
